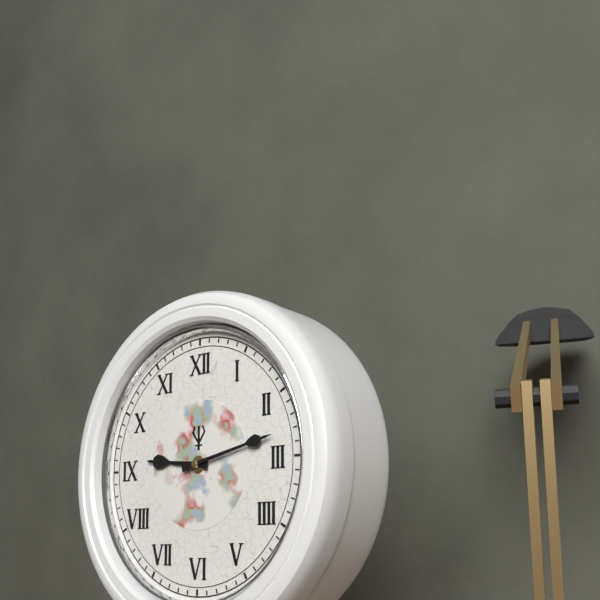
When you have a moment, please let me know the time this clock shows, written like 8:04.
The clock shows 9:13
